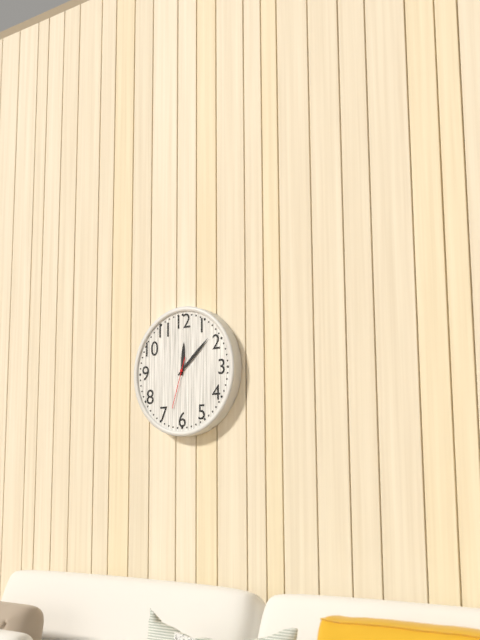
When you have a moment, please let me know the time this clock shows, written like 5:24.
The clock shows 12:08
